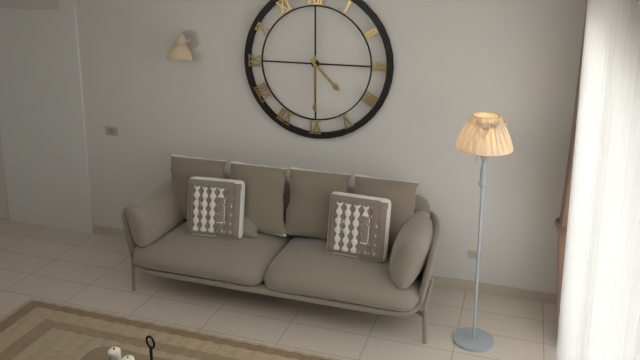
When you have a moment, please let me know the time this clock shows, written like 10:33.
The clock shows 4:30
